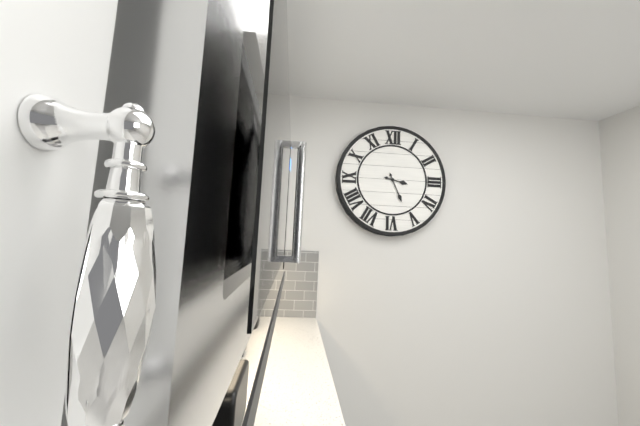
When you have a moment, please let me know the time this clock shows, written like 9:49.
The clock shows 3:26
